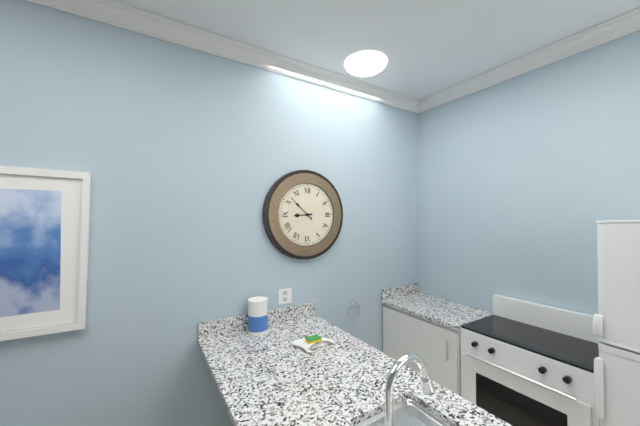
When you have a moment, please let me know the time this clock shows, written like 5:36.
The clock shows 8:52
